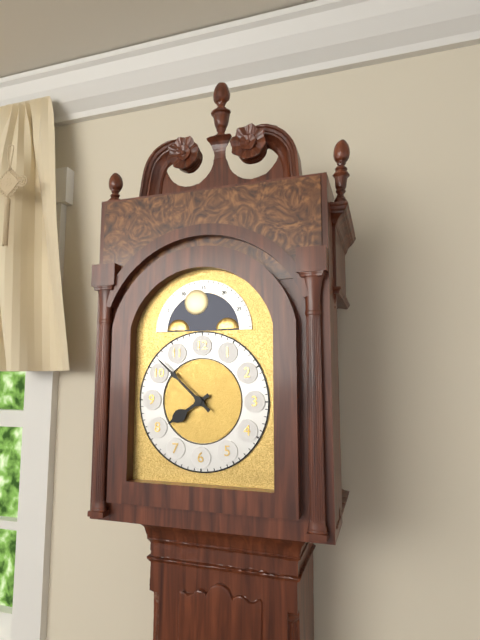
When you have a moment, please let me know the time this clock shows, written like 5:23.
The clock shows 7:52
